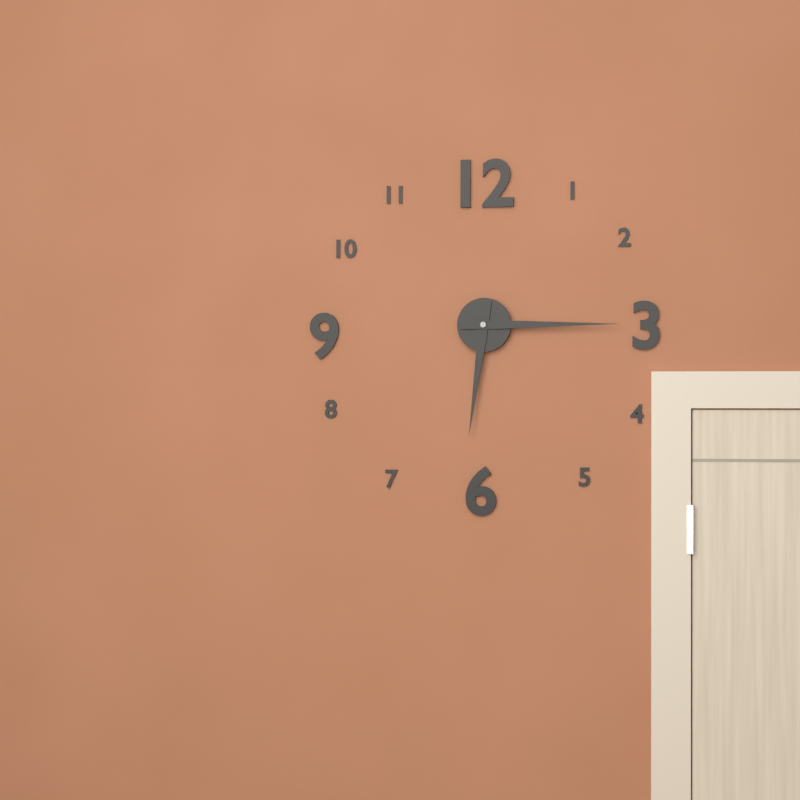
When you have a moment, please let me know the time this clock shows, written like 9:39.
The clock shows 6:15
